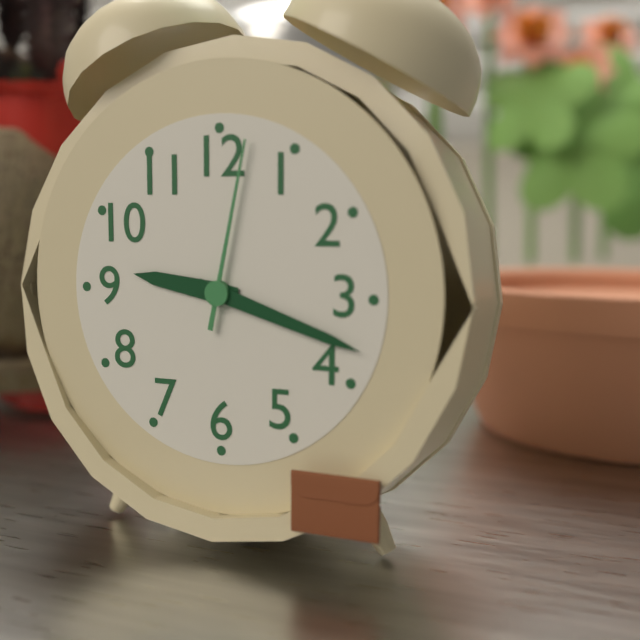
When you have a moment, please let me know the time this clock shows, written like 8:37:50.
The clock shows 9:18:02
